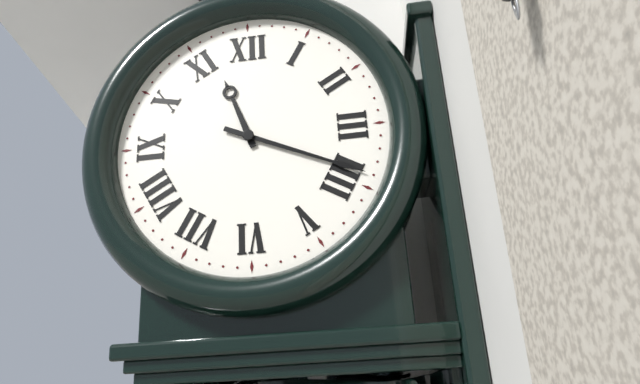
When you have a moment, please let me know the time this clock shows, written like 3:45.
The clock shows 11:19
